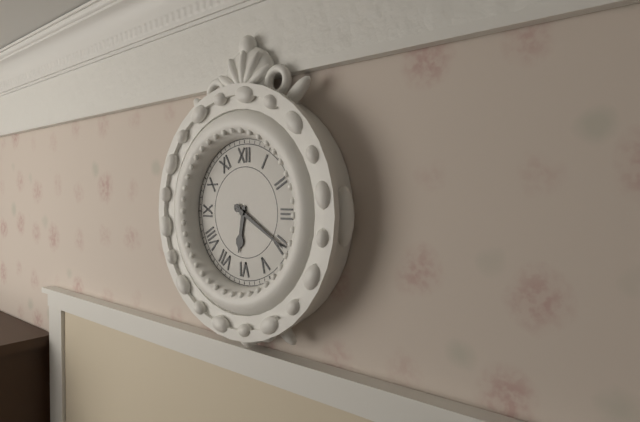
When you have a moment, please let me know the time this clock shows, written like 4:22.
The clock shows 6:20
